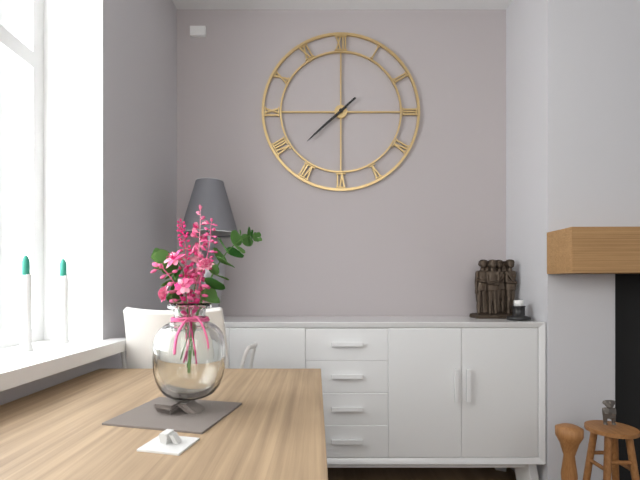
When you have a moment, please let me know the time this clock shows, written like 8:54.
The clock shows 7:38
